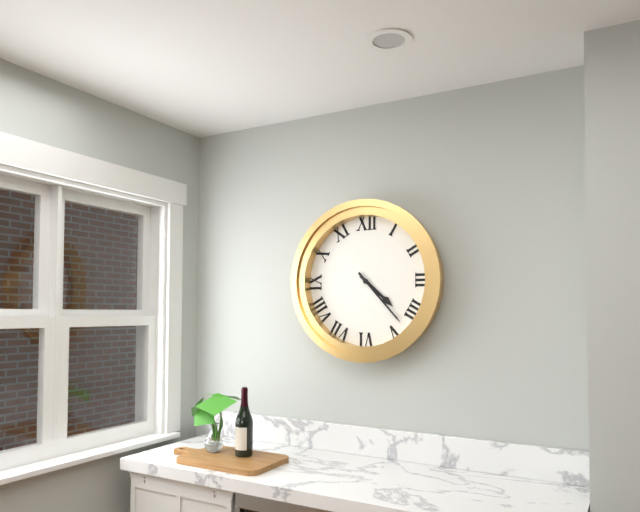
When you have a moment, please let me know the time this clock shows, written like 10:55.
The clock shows 4:23
